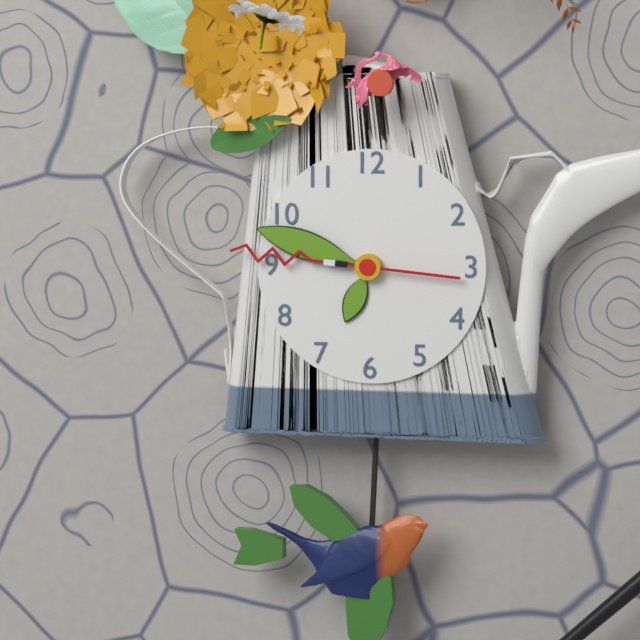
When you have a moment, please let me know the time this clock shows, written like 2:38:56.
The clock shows 6:48:46
